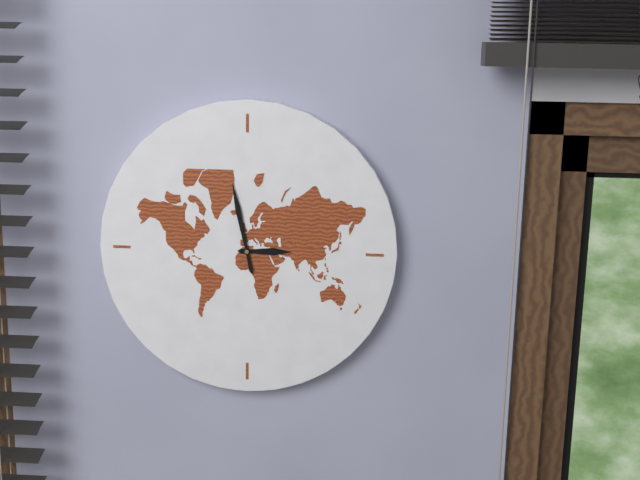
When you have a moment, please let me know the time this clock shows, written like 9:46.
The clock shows 2:58
